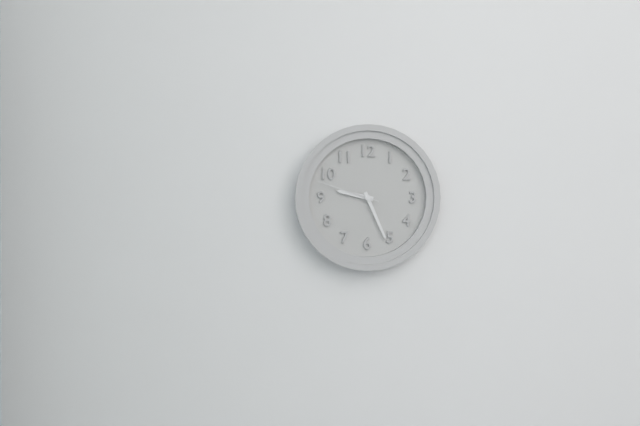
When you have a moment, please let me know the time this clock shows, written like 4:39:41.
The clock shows 9:26:48
